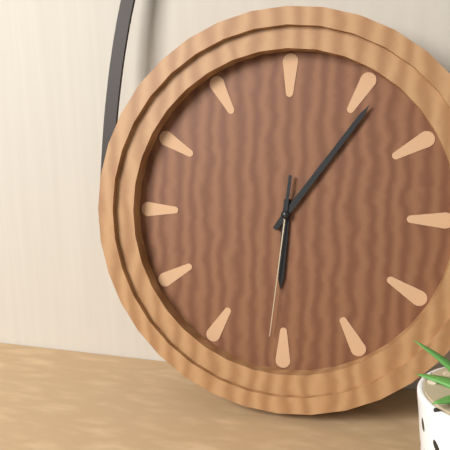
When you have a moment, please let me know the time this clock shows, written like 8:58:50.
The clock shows 6:06:31
